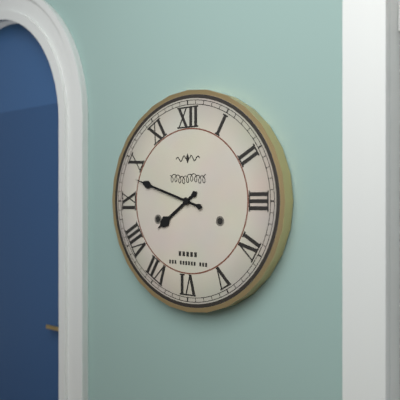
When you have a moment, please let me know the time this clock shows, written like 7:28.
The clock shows 7:48
